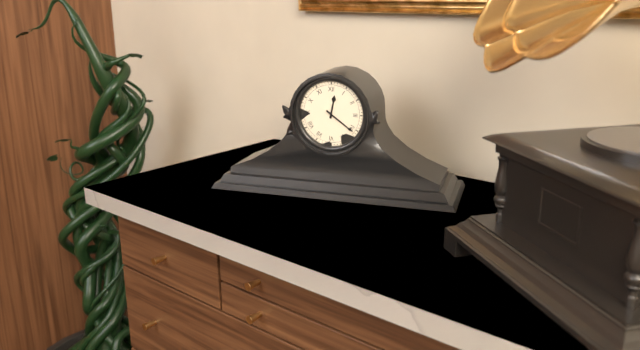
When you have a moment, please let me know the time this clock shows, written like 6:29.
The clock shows 12:21
